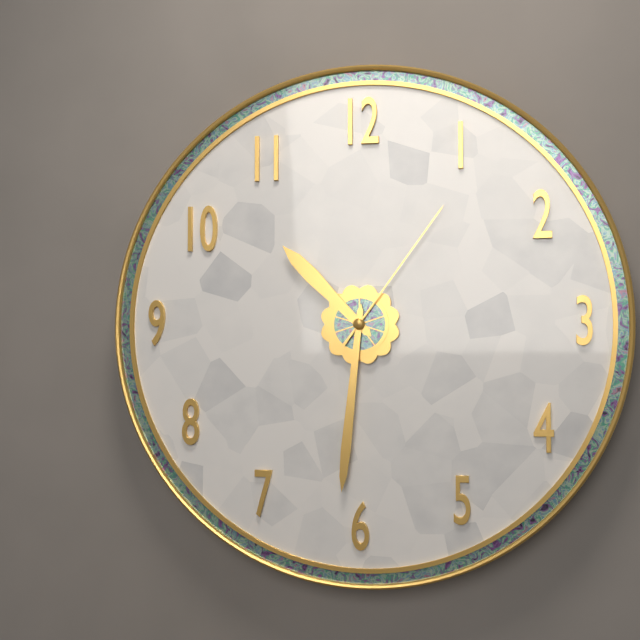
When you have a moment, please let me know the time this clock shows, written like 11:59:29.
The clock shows 10:31:06
